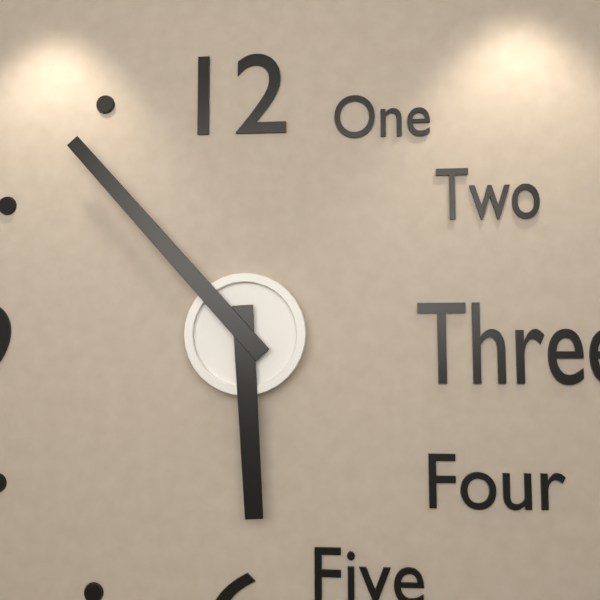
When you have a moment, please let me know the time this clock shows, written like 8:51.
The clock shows 5:53
